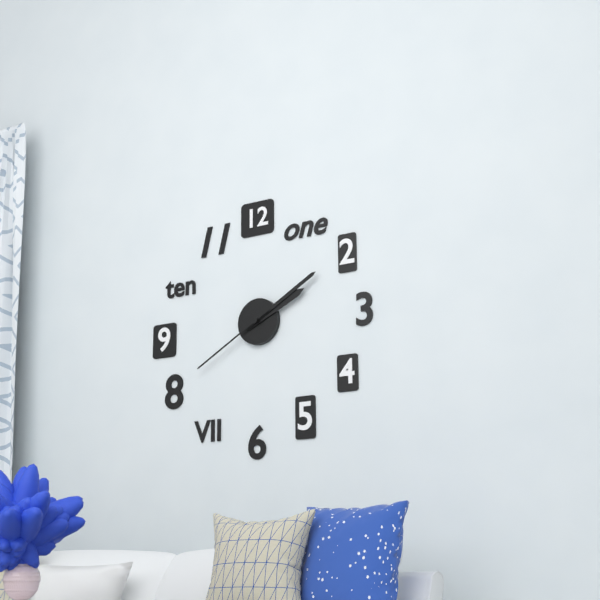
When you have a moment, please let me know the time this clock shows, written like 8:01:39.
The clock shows 2:10:40
